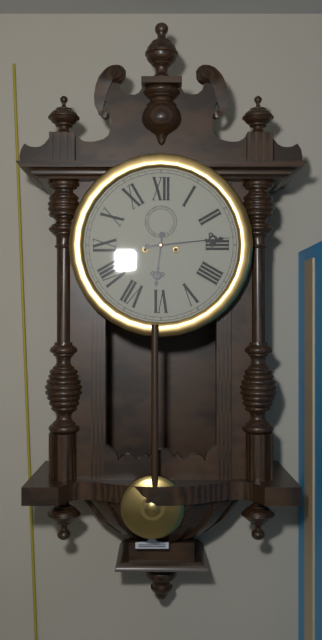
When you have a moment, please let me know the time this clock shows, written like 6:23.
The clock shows 6:14
